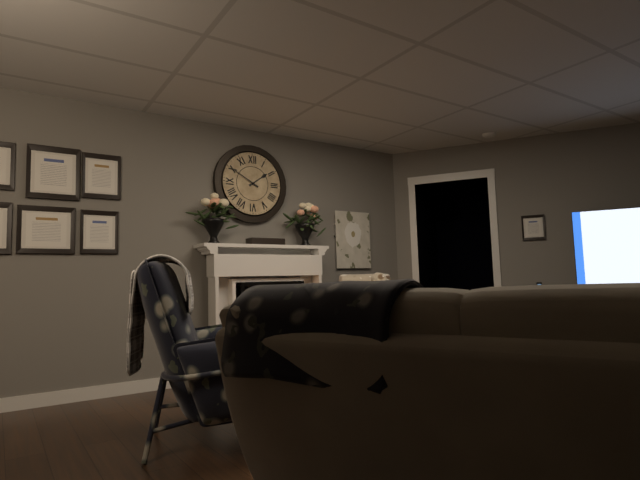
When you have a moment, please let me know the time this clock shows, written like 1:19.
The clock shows 1:50
